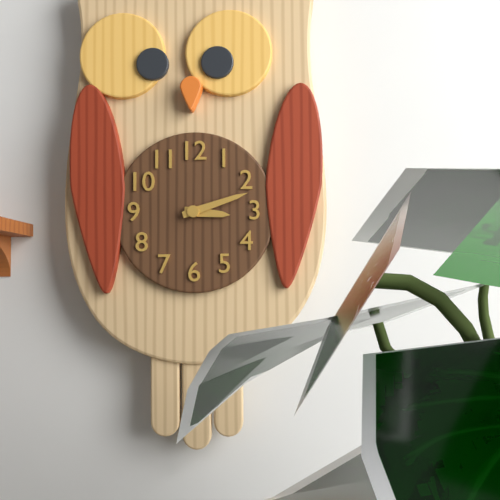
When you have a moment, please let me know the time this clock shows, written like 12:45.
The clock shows 3:12
